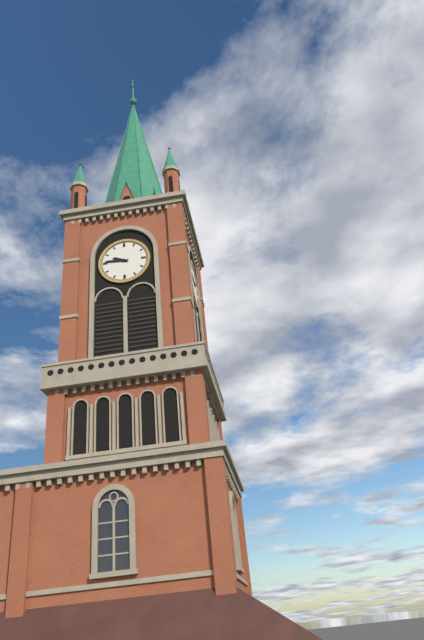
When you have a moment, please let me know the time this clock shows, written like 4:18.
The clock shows 9:46
